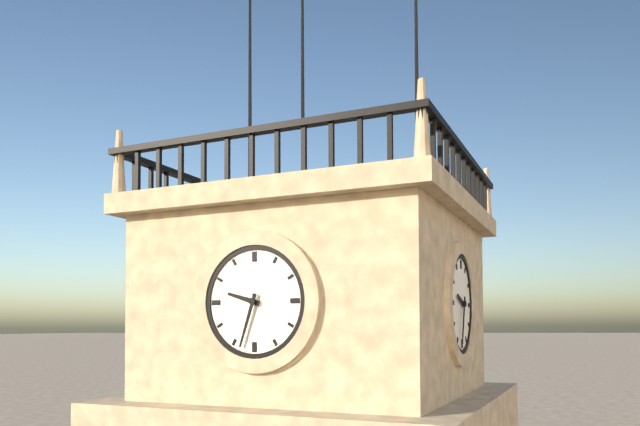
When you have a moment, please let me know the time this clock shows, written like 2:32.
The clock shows 9:33
